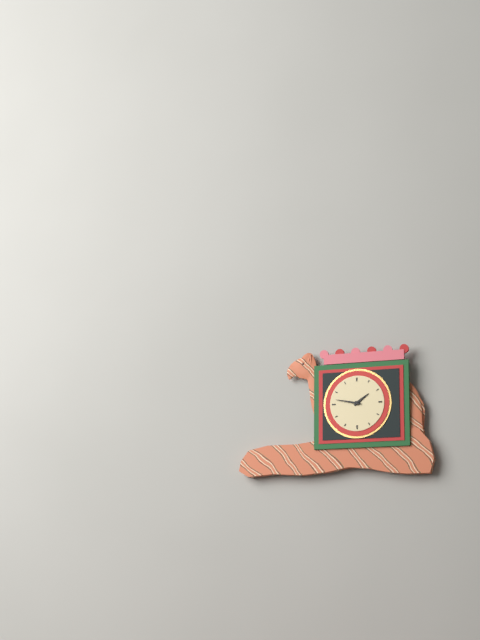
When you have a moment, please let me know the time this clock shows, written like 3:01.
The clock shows 1:47
